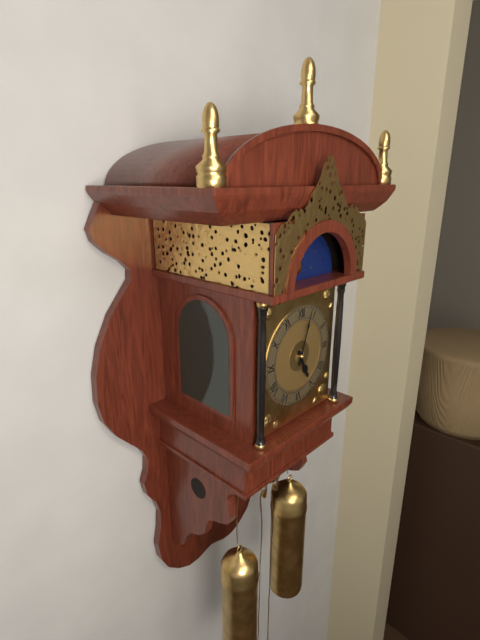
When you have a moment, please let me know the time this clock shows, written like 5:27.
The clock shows 5:03
